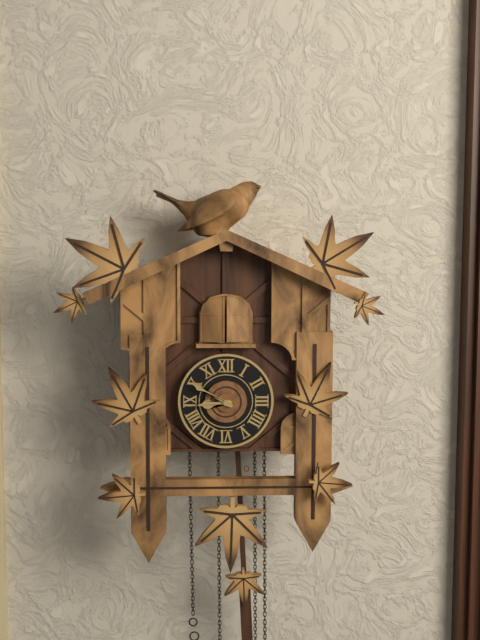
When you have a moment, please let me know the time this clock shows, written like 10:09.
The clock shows 8:50
